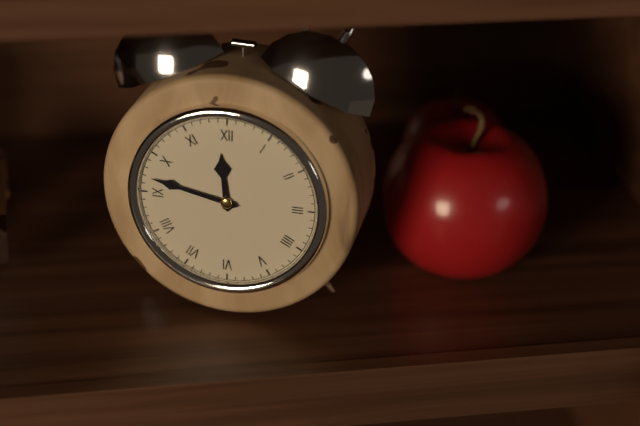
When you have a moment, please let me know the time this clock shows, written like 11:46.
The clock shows 11:47
